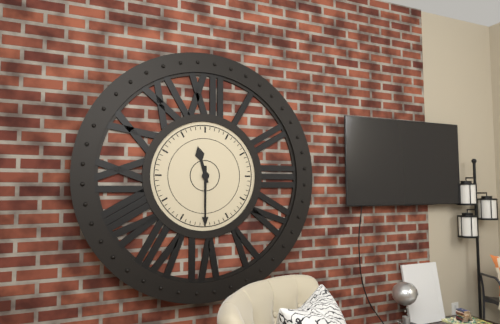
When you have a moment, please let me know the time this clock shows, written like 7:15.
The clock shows 11:30
